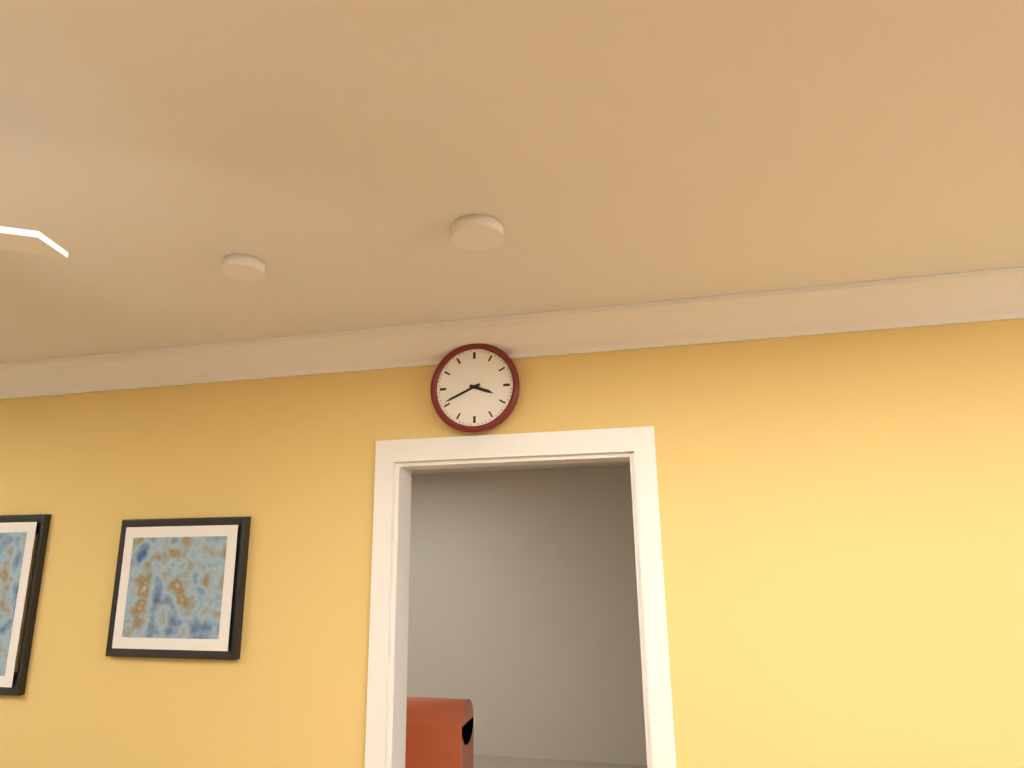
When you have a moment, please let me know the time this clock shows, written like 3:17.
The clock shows 3:41
